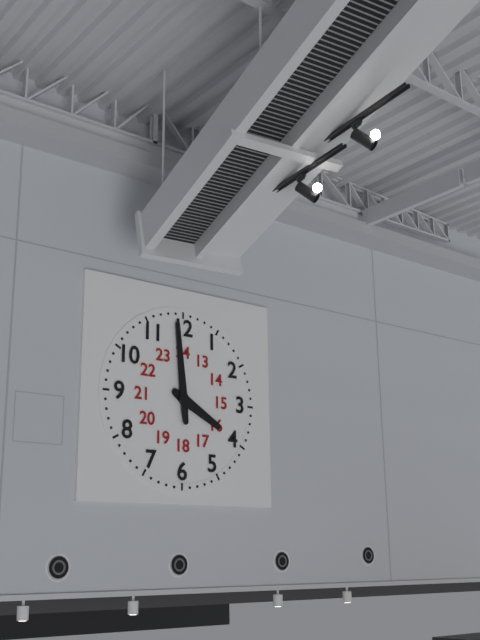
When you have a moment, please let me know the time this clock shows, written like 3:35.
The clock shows 3:59
